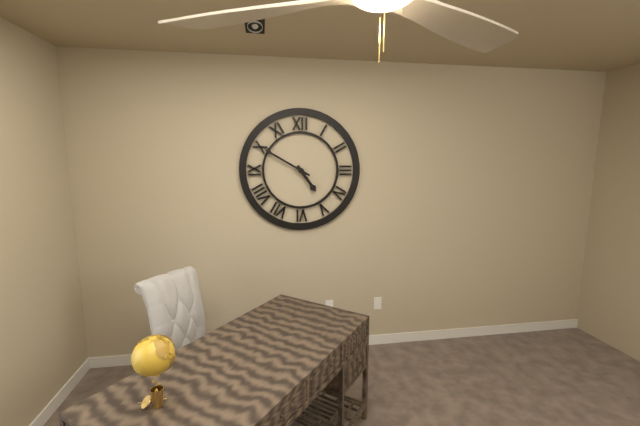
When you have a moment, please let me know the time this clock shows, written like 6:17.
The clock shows 4:50
